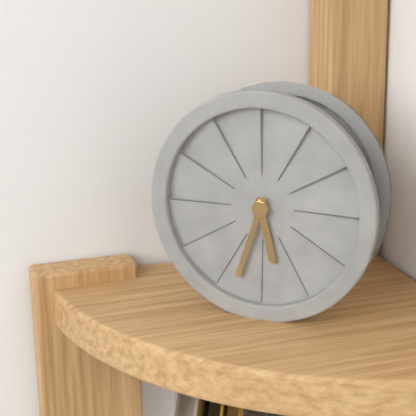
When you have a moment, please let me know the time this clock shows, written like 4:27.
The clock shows 5:33
